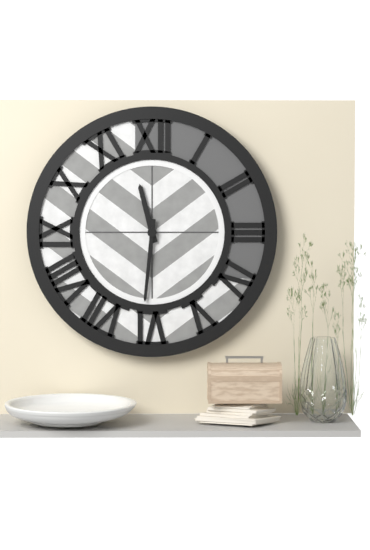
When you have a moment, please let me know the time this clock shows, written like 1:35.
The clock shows 11:31
